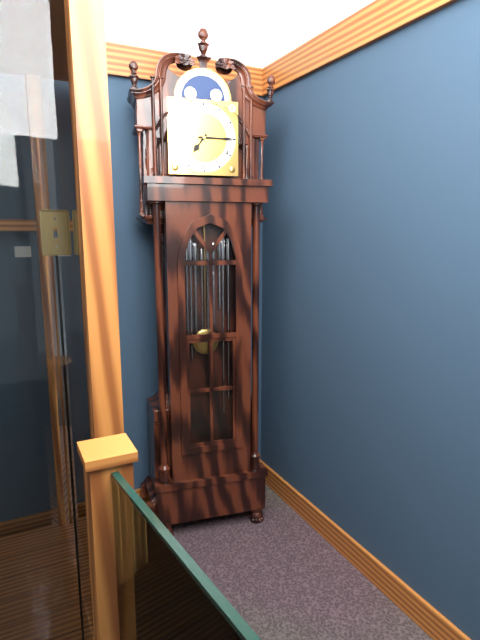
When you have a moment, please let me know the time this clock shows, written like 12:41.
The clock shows 7:15
